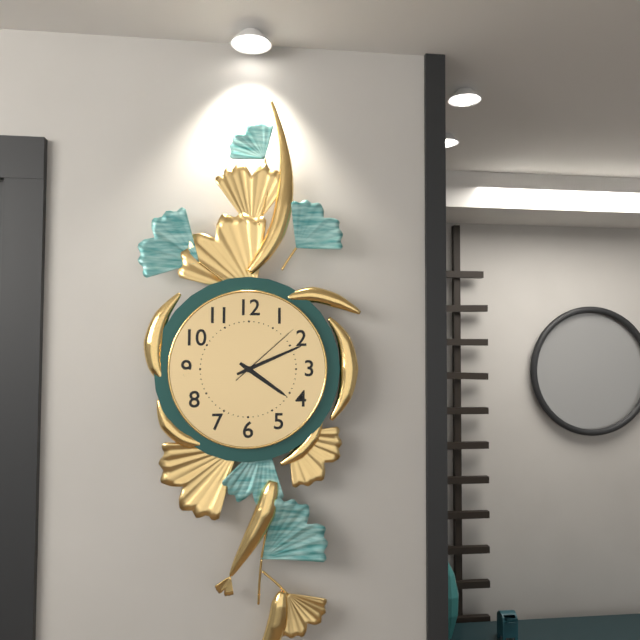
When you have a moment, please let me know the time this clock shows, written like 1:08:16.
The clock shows 4:11:08
